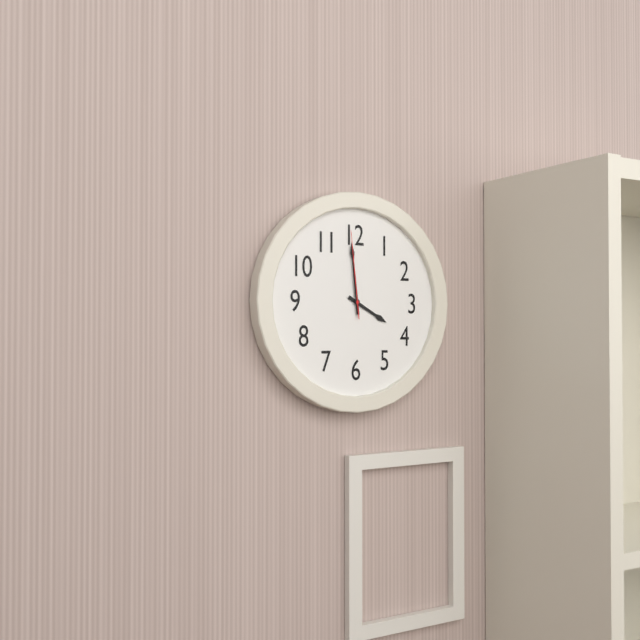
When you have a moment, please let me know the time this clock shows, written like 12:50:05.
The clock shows 3:59:59
